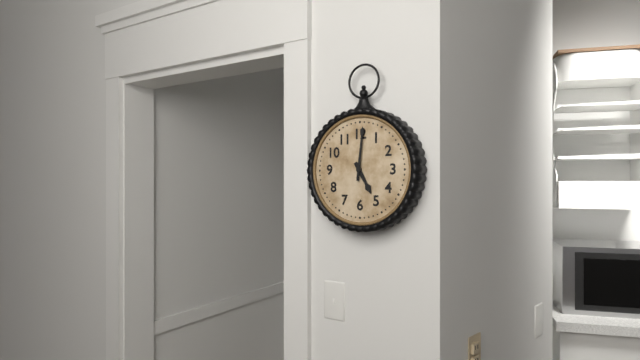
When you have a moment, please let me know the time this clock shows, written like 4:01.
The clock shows 5:01
